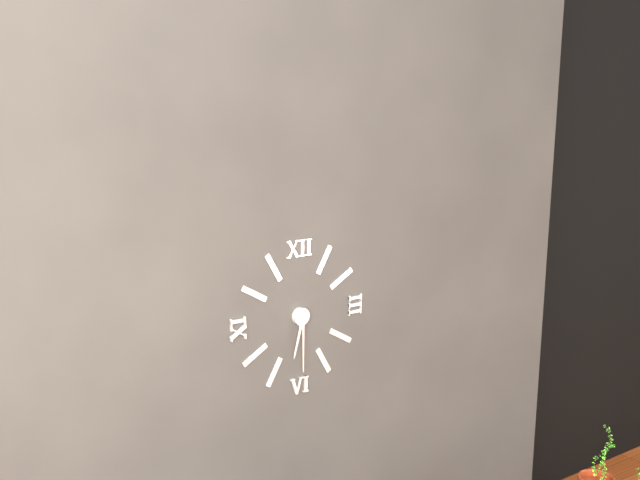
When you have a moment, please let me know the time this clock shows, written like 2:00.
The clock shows 6:30
